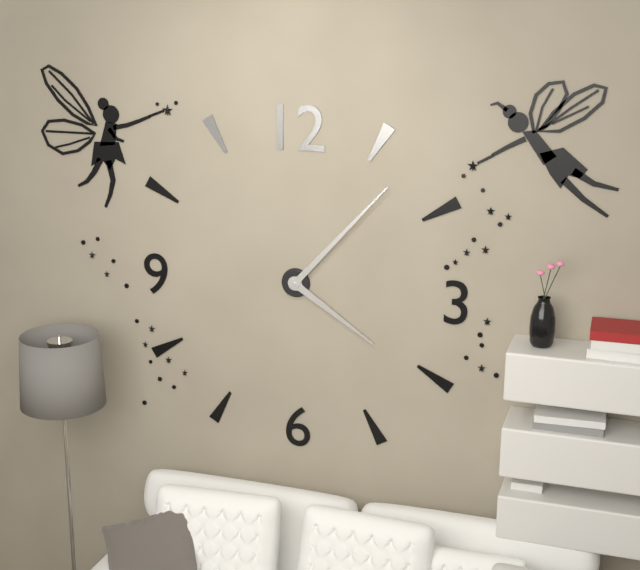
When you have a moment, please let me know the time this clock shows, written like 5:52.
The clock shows 4:07
